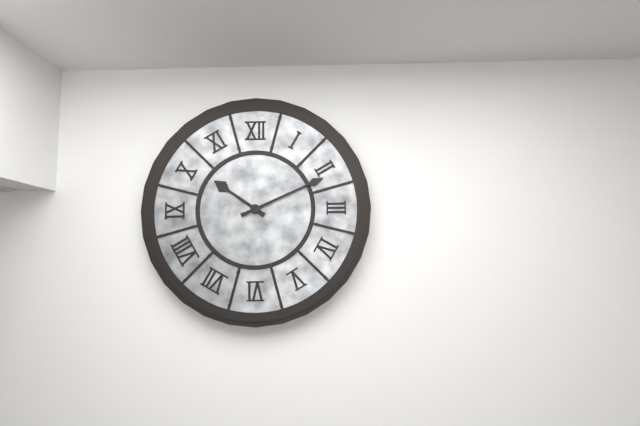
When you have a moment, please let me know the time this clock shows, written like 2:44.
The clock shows 10:11
